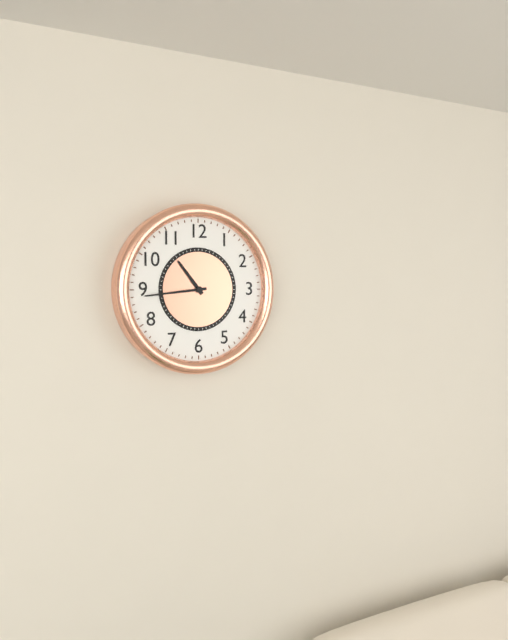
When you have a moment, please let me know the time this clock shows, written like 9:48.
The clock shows 10:44
